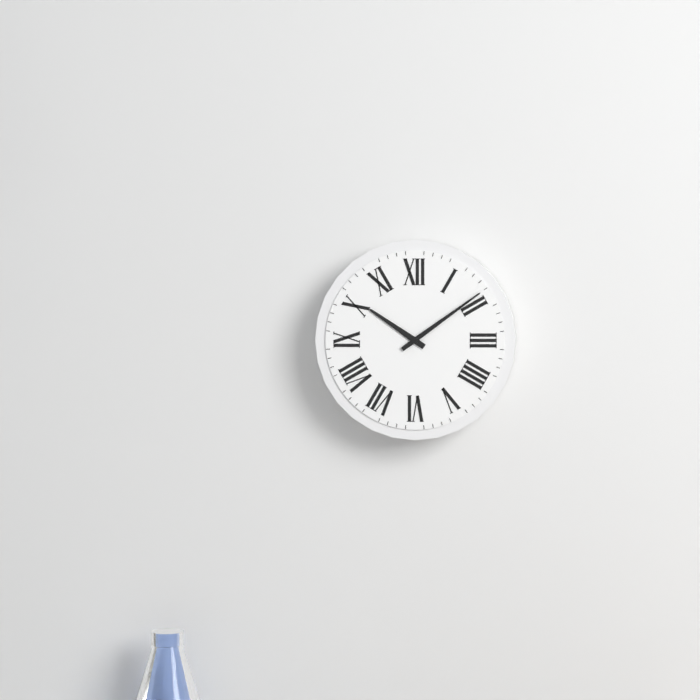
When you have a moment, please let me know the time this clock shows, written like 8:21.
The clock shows 10:09
